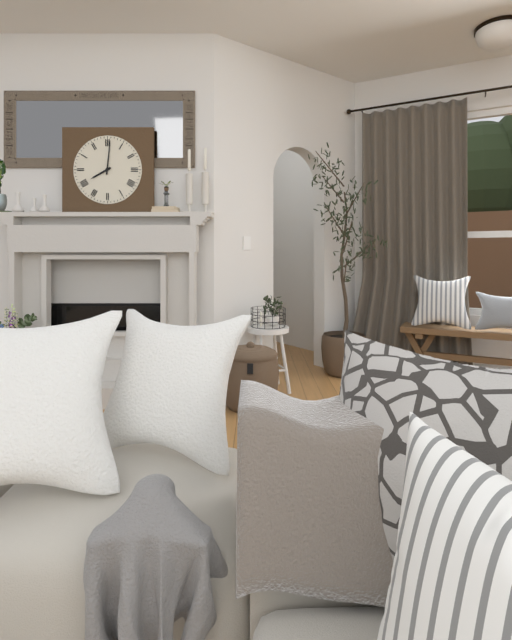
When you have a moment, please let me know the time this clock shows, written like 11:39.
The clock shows 8:01
